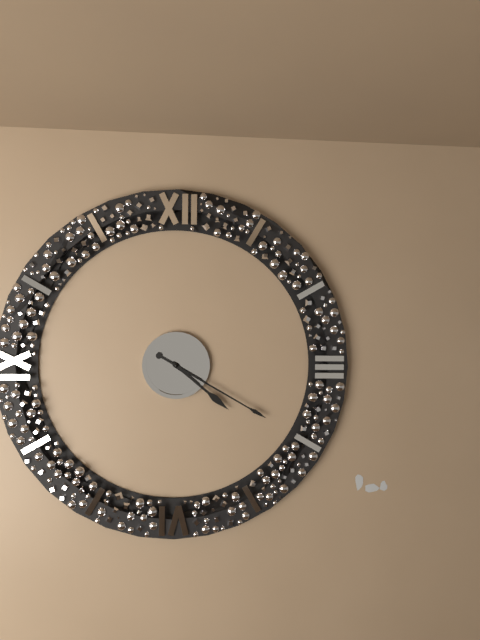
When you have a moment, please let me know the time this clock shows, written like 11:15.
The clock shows 4:20
